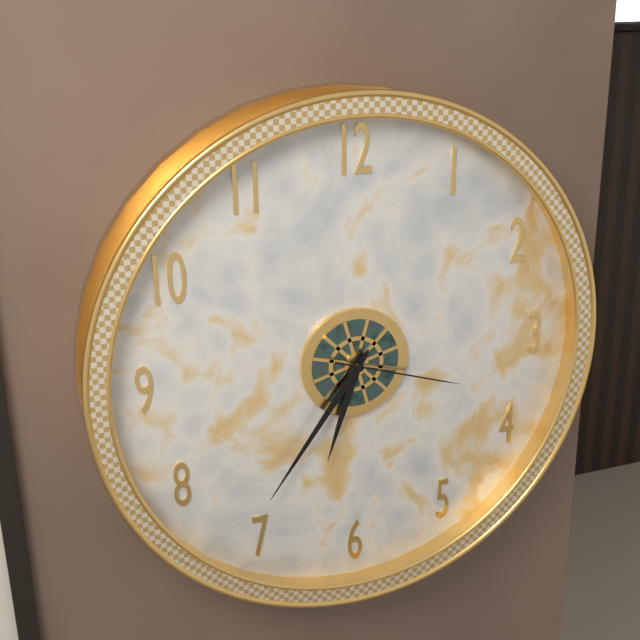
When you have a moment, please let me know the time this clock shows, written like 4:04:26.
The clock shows 6:36:18
